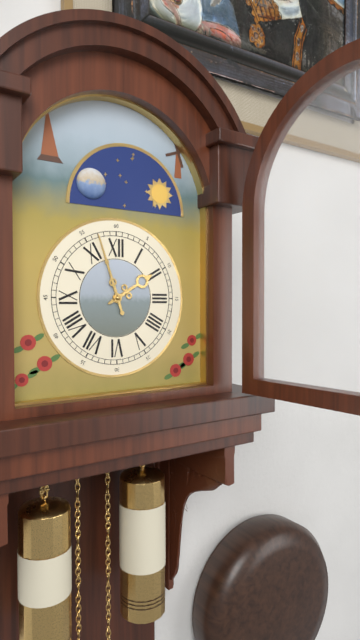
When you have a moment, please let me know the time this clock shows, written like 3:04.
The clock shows 1:57
